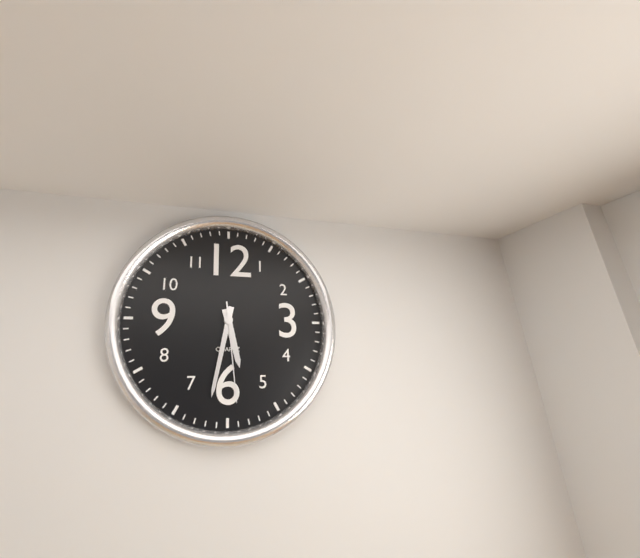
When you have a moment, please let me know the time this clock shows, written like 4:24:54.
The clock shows 5:32:29
